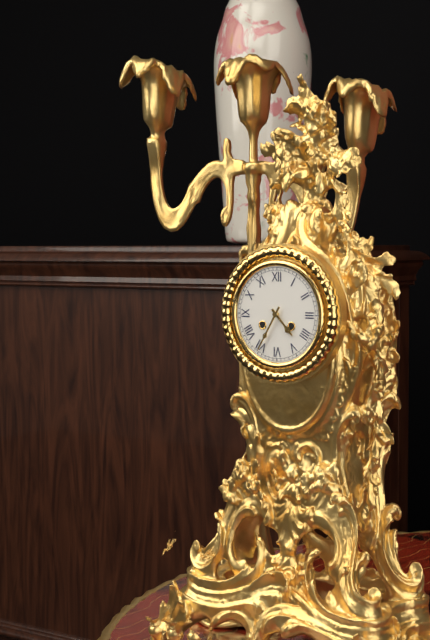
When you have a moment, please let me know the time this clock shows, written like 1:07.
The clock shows 4:35
